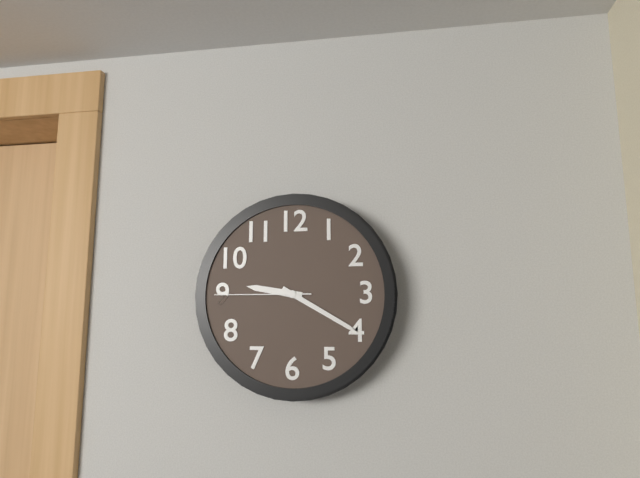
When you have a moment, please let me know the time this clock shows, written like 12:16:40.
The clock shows 9:20:45
